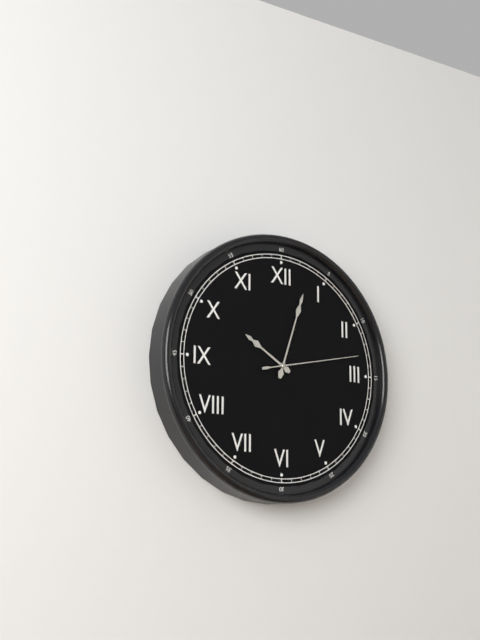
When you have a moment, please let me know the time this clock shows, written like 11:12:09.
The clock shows 10:03:13
